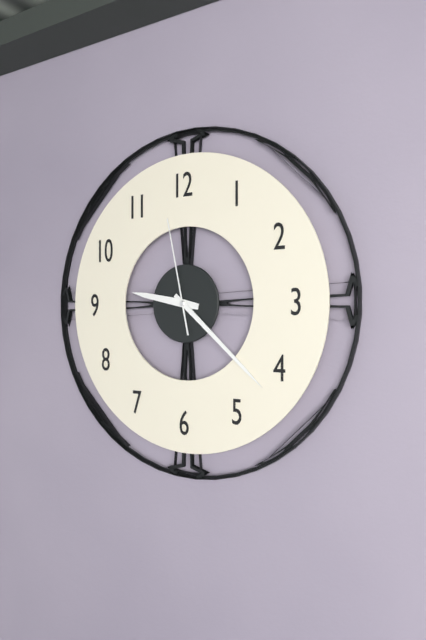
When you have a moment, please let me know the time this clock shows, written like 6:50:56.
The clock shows 9:22:58
